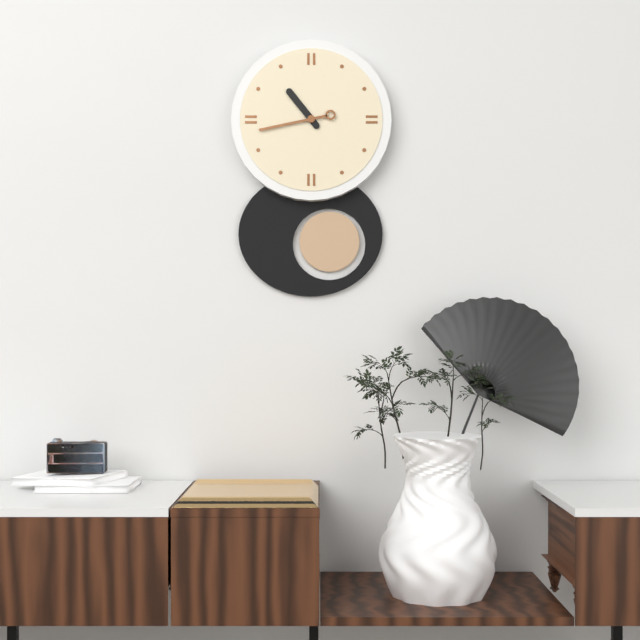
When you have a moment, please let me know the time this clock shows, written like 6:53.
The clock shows 10:43
